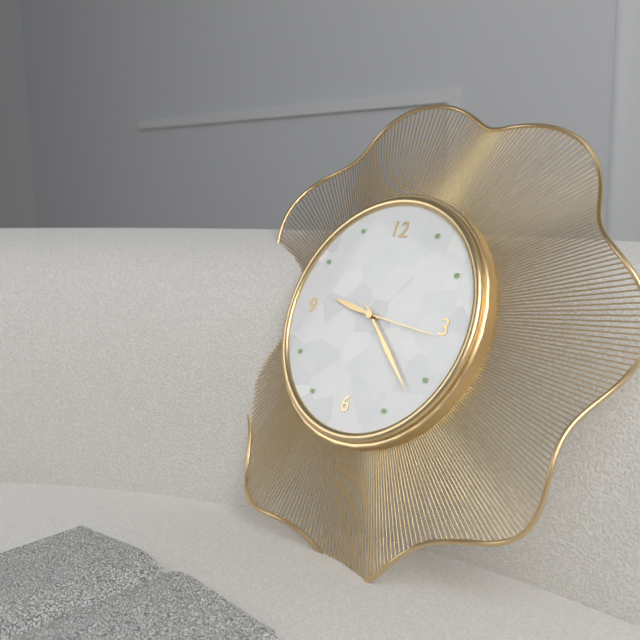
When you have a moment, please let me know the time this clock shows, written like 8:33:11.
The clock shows 9:22:16
